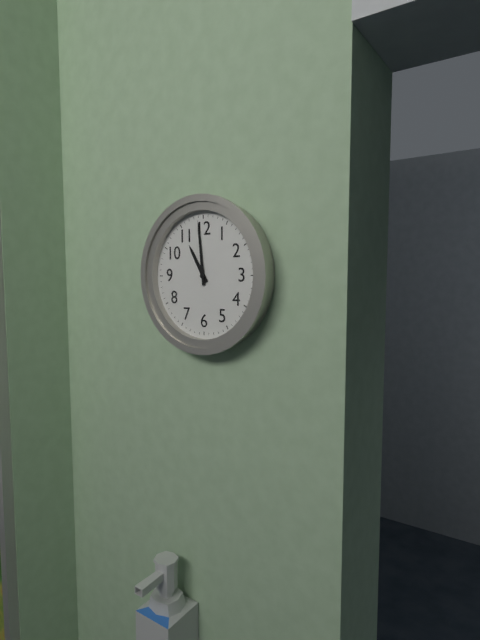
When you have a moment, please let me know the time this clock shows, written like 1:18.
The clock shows 10:59
